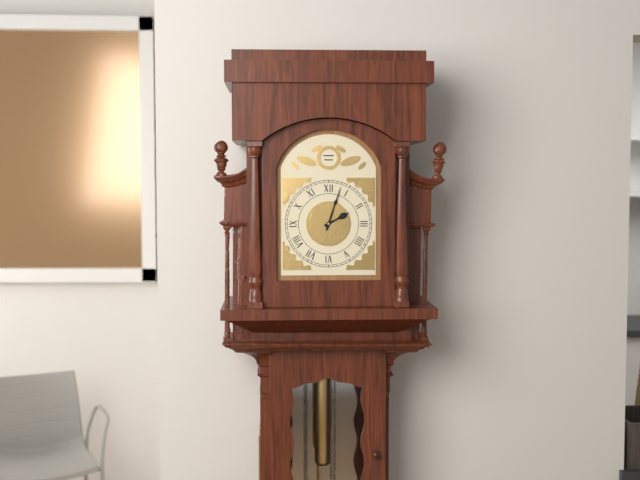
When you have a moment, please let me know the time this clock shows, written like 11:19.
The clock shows 2:03
